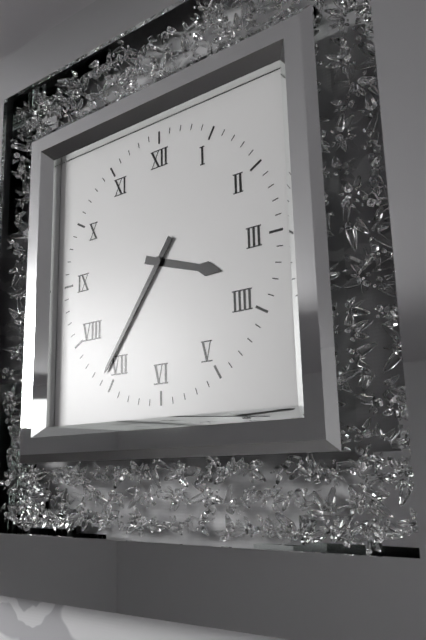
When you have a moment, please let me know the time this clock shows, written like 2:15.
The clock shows 3:36
